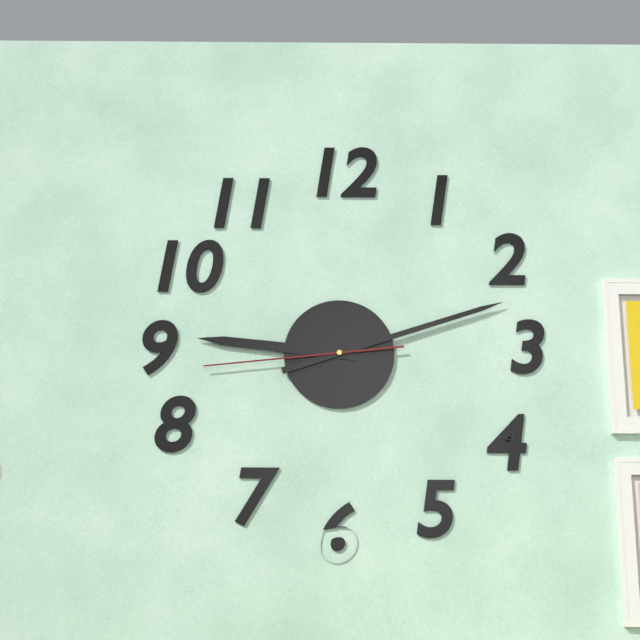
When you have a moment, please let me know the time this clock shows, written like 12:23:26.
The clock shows 9:12:44
